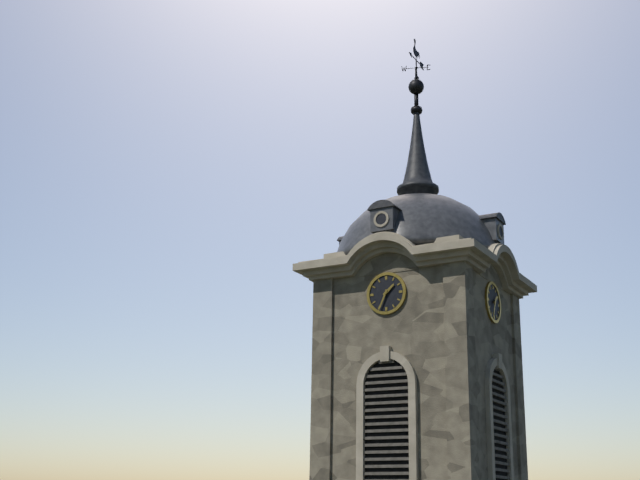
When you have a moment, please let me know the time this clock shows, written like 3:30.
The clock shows 1:34
